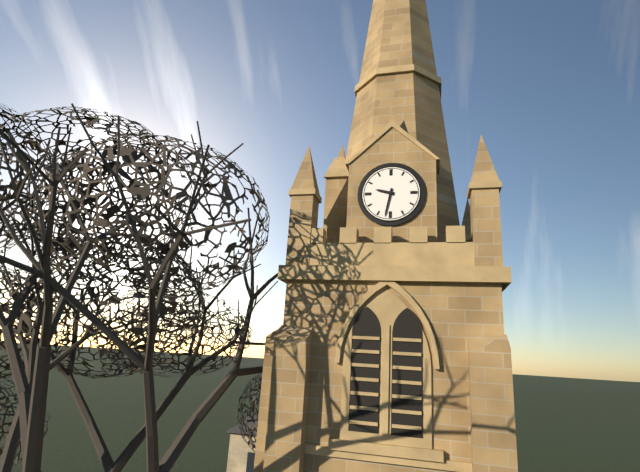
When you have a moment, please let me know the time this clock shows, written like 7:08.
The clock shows 9:32
